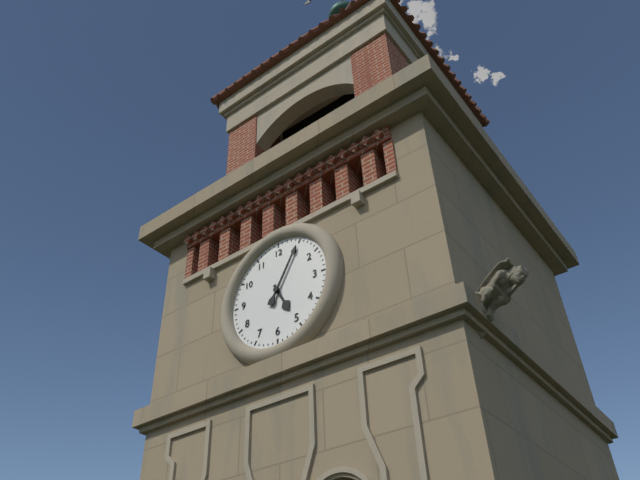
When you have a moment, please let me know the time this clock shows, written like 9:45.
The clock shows 5:05
